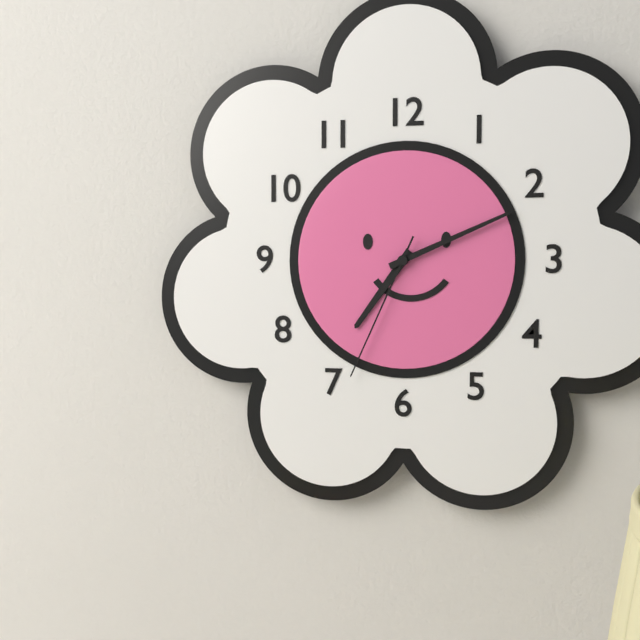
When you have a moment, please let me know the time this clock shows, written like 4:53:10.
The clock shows 7:11:34
